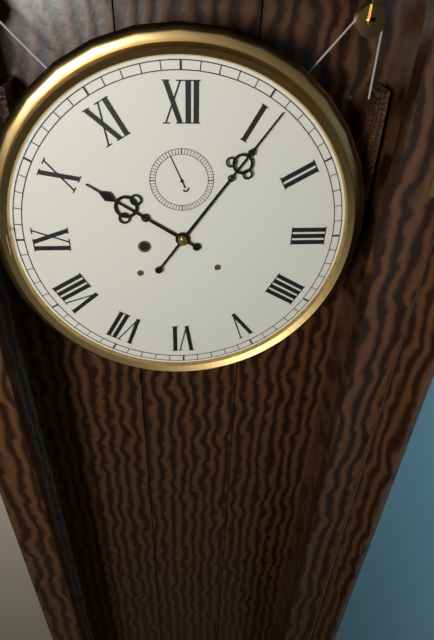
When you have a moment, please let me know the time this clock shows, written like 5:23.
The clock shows 10:06
